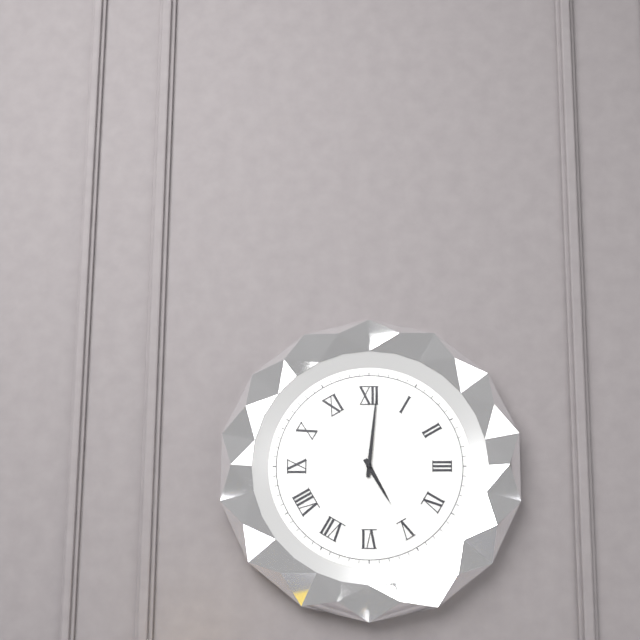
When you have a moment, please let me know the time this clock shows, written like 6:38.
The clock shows 5:01
